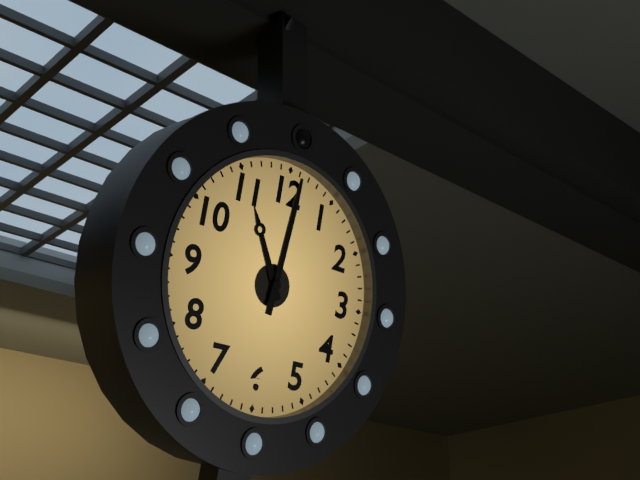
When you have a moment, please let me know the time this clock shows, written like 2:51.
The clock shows 11:01
